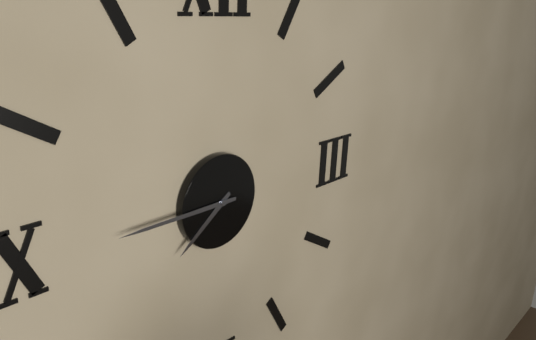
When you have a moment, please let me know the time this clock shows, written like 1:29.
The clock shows 7:45
